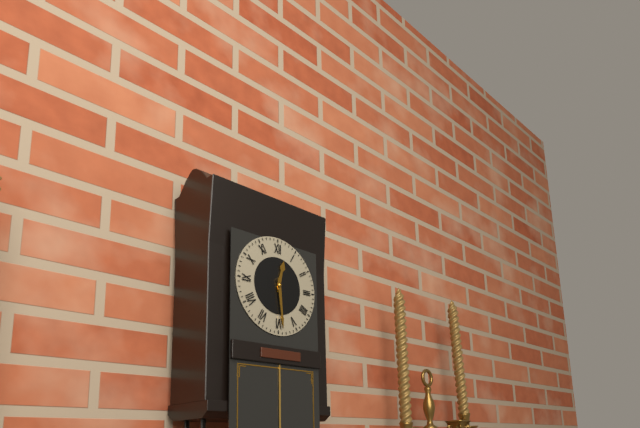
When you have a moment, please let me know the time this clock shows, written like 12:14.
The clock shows 12:29
